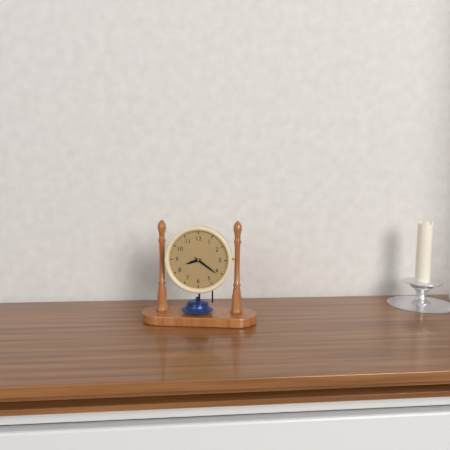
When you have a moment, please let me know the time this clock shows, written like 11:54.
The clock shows 8:21
